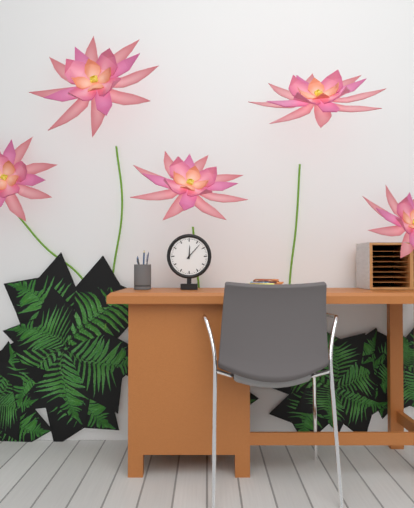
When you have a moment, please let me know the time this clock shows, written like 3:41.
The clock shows 12:07
